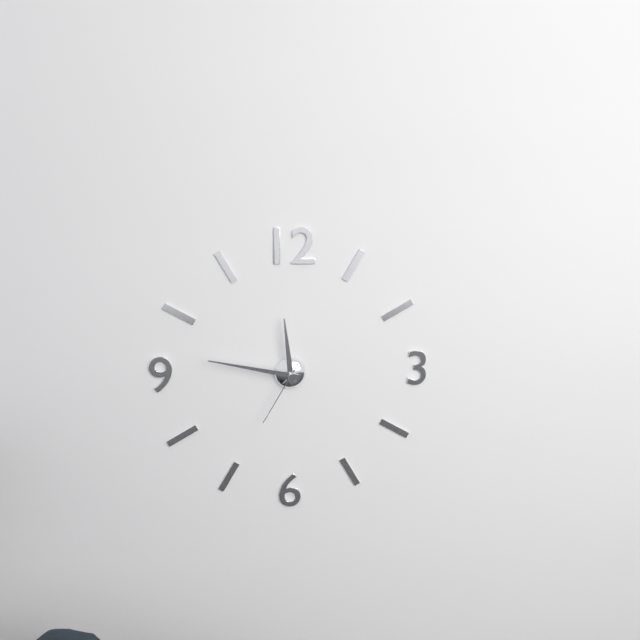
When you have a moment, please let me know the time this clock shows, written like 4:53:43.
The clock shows 11:47:35
